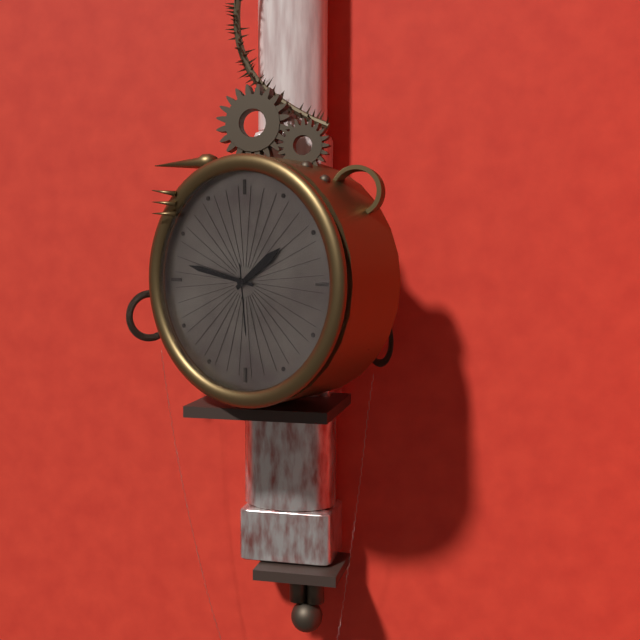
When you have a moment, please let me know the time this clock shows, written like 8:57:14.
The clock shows 1:47:29
